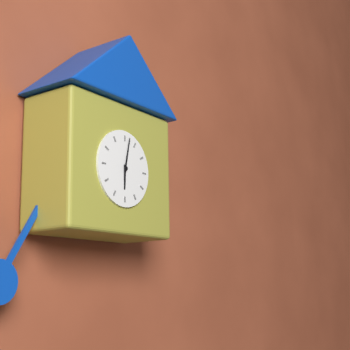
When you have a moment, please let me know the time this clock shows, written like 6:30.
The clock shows 6:02
